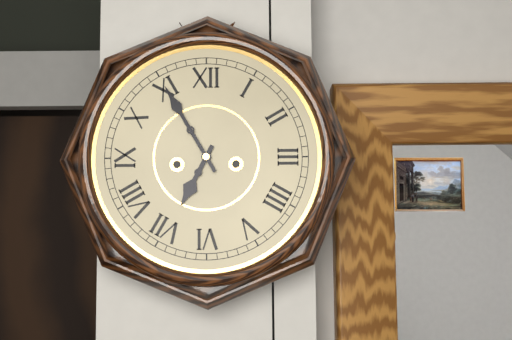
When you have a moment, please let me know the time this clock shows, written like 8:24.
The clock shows 6:55
